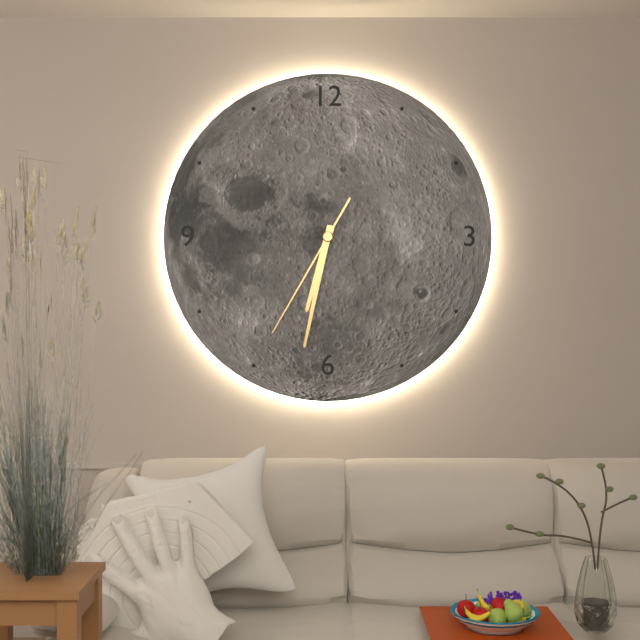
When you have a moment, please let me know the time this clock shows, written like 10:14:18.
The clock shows 6:32:35
